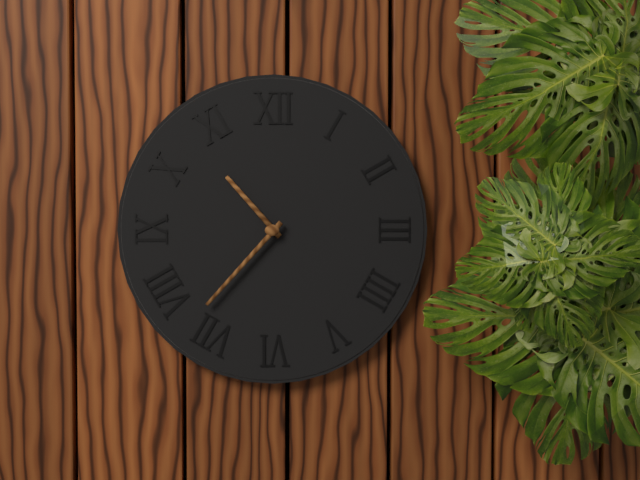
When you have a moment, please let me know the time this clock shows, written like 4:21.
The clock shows 10:37
